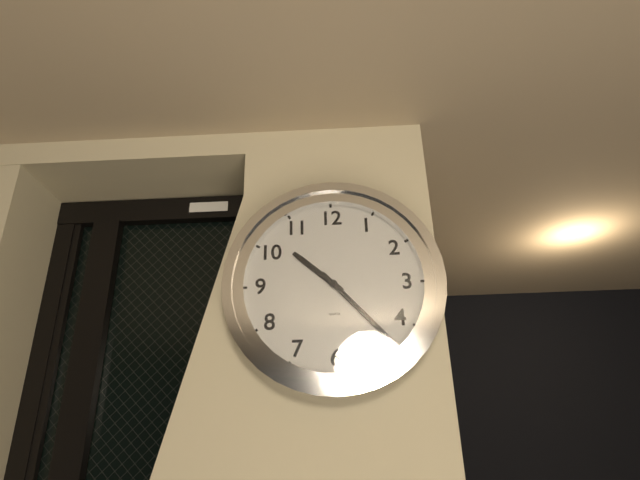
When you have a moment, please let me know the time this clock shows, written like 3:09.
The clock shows 10:23
